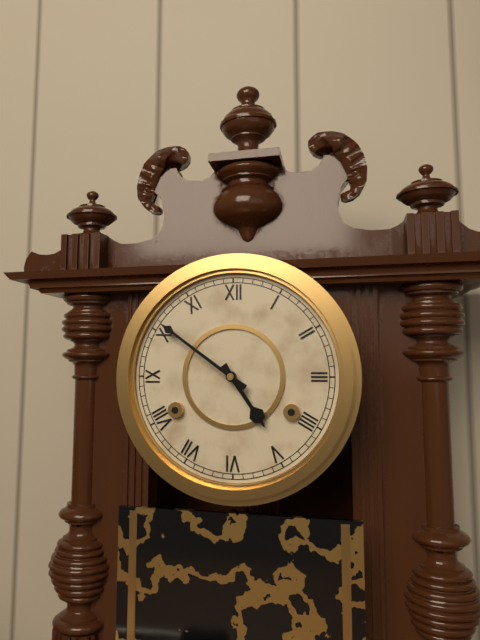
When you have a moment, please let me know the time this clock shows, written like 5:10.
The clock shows 4:51
